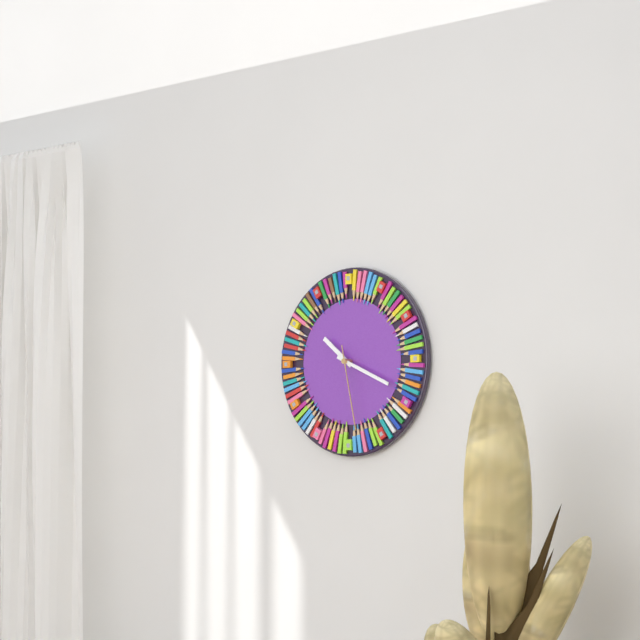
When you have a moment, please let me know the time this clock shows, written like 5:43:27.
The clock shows 10:19:28
